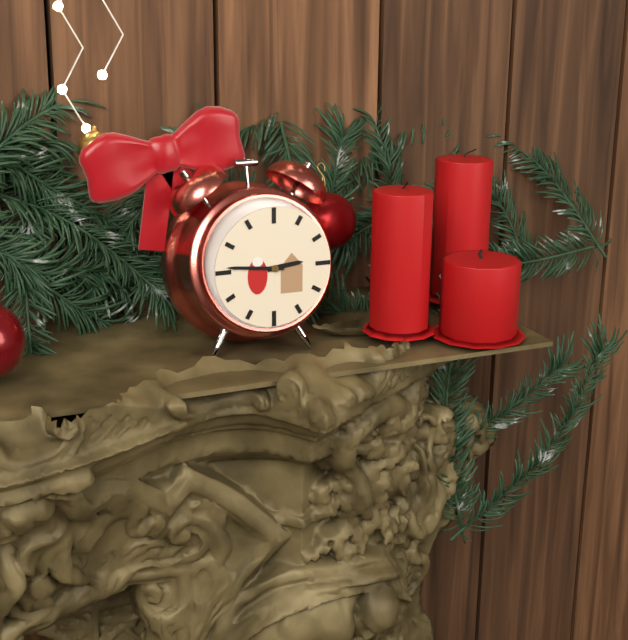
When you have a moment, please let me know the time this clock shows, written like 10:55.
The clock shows 2:46
